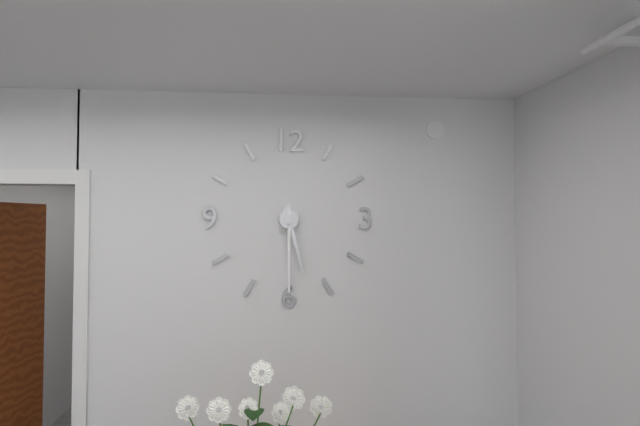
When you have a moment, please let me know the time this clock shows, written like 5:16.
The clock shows 5:30
